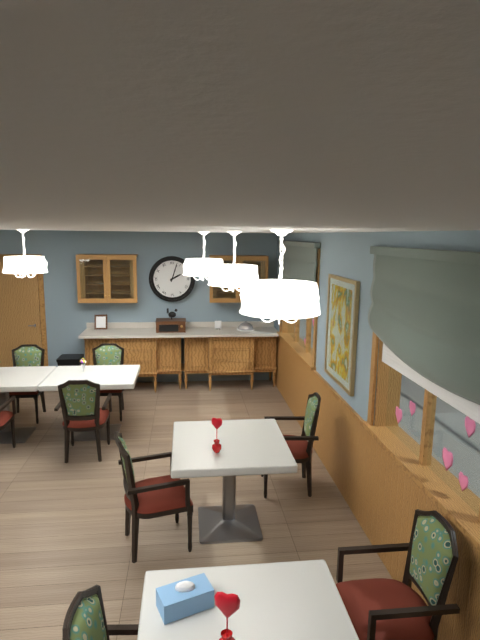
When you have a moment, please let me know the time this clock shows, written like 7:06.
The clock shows 2:03
